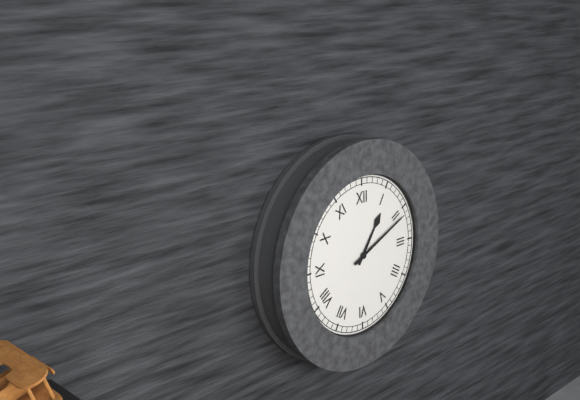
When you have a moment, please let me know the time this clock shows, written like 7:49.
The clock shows 1:11
